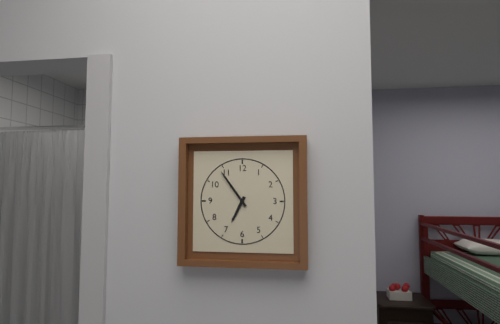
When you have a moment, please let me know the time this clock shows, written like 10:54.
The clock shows 6:54
